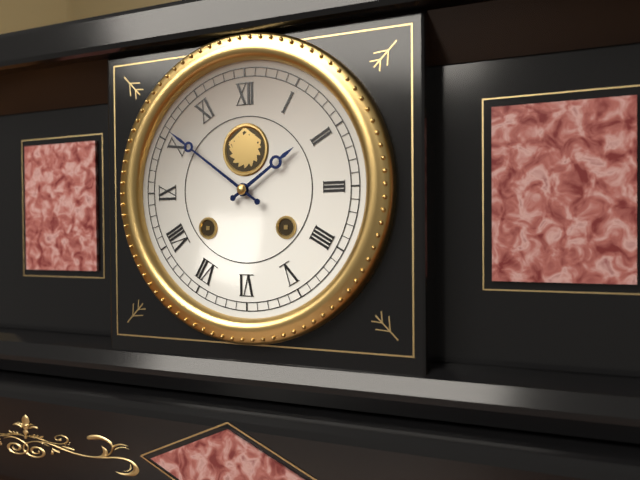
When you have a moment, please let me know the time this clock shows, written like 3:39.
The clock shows 1:51
